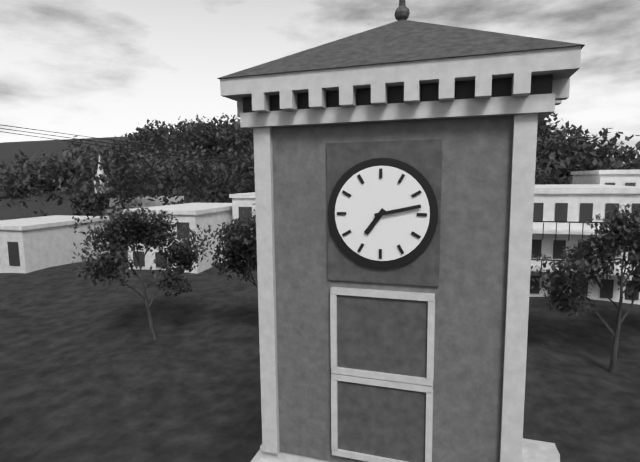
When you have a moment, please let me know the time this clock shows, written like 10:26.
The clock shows 7:13
